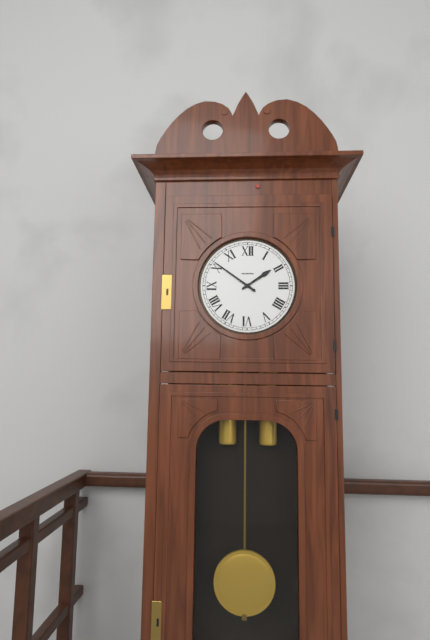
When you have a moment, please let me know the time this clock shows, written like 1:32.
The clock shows 1:51
